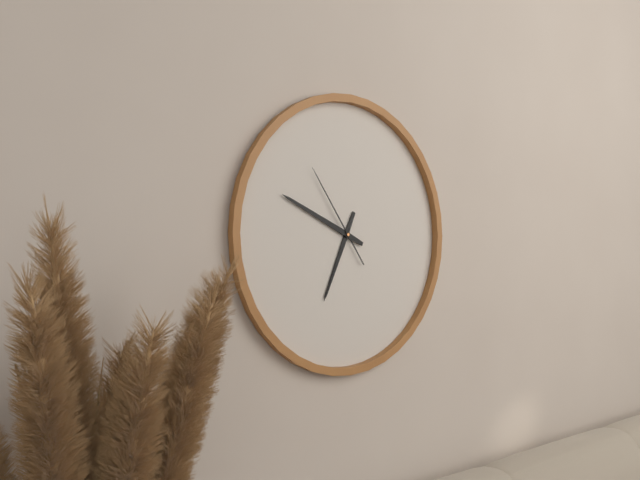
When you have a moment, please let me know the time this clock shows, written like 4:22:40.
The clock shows 6:49:54
